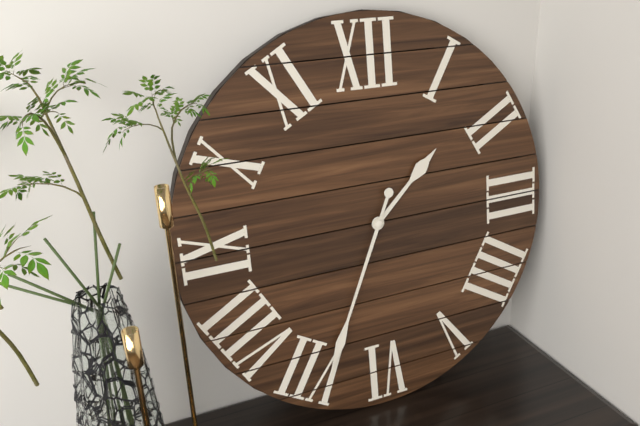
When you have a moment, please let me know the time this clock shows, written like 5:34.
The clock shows 1:34
